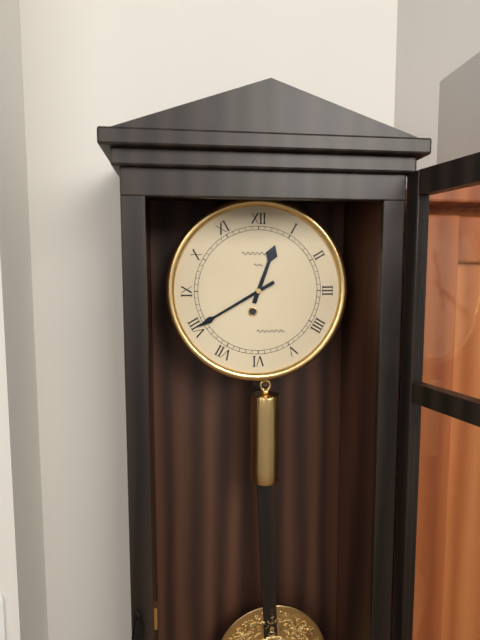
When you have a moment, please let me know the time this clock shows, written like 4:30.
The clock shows 12:40
